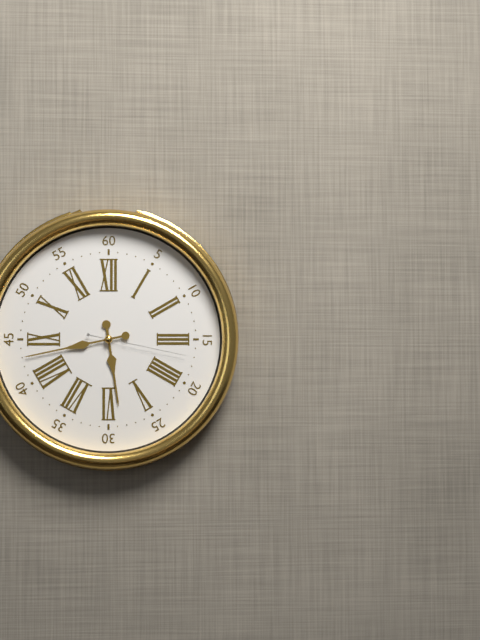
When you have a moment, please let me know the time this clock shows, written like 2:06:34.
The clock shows 5:43:17
